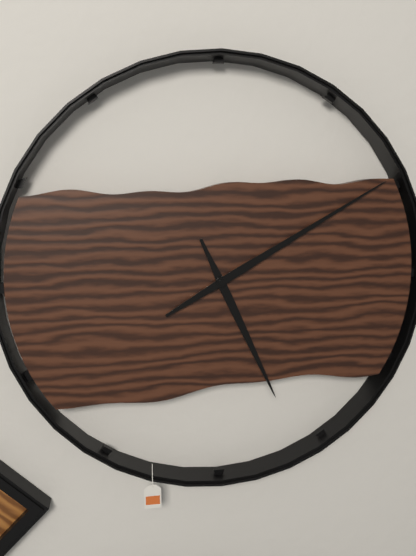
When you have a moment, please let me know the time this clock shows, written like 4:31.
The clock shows 5:10
